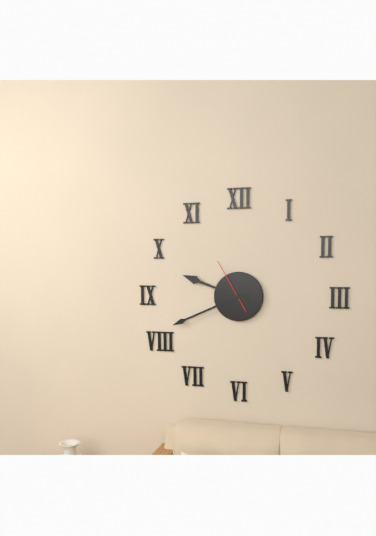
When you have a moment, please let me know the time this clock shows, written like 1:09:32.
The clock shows 9:41:55
